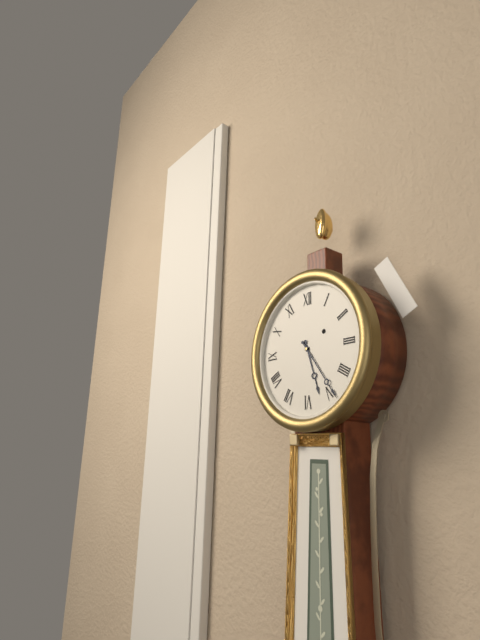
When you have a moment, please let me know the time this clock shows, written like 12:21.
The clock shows 5:24
